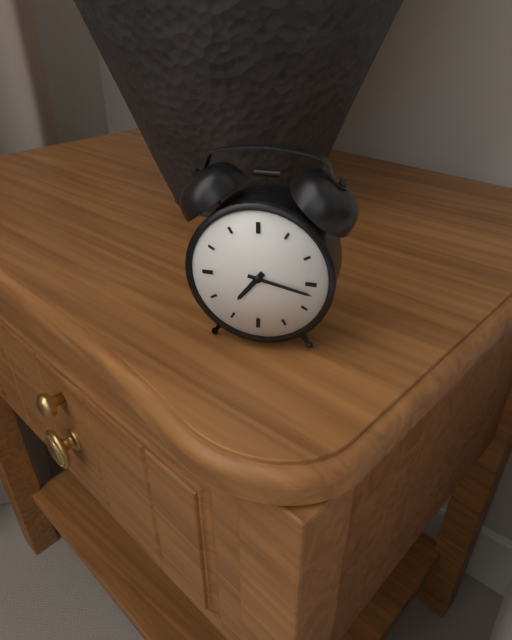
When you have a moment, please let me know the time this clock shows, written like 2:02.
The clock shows 7:17
